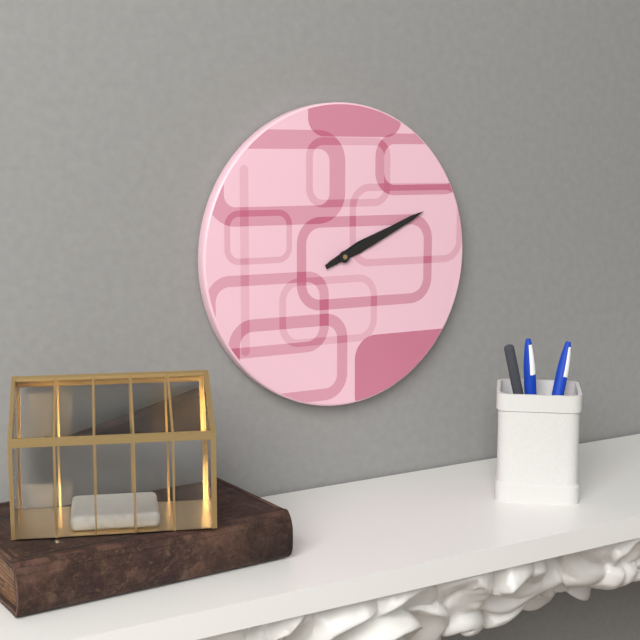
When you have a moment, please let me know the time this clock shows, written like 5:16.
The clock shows 2:11
